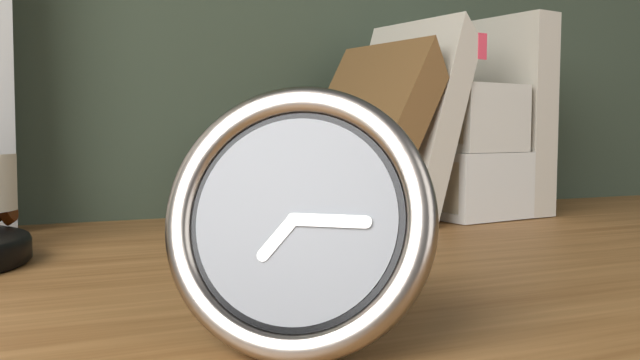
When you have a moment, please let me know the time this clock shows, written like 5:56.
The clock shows 7:15
